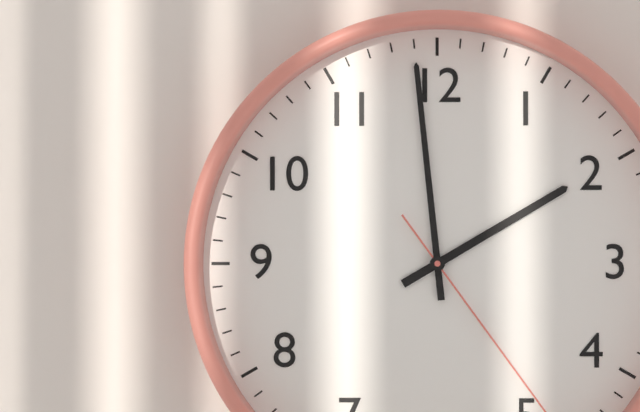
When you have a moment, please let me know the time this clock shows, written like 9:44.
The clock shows 1:59
